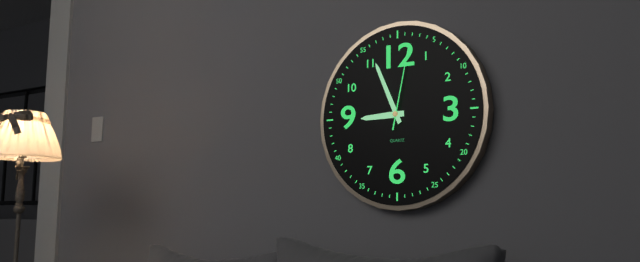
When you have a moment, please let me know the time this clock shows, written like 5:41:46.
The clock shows 8:56:02
